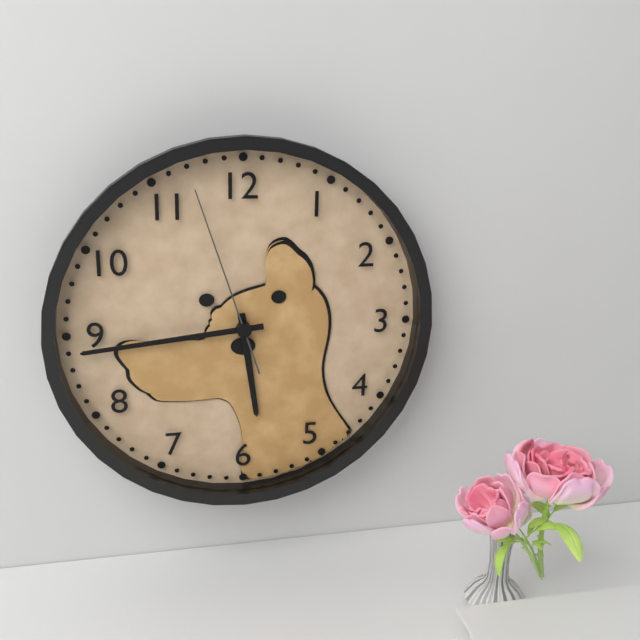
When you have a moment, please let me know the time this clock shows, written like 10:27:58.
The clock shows 5:44:57
